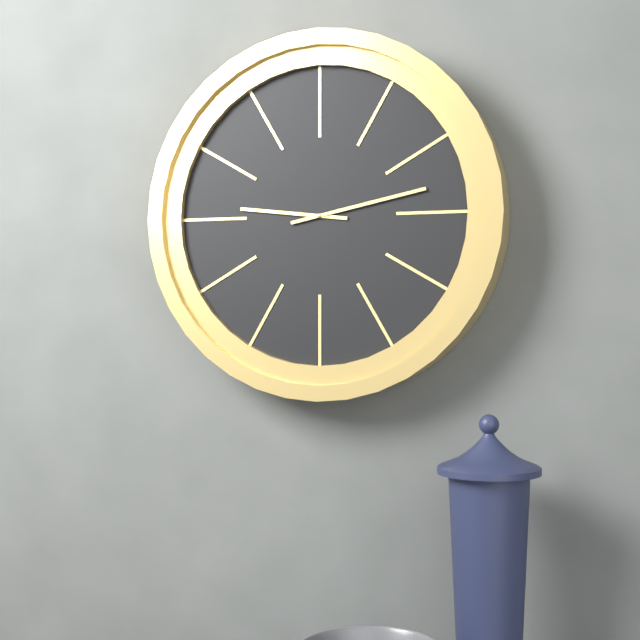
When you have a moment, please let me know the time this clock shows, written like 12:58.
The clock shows 9:13
